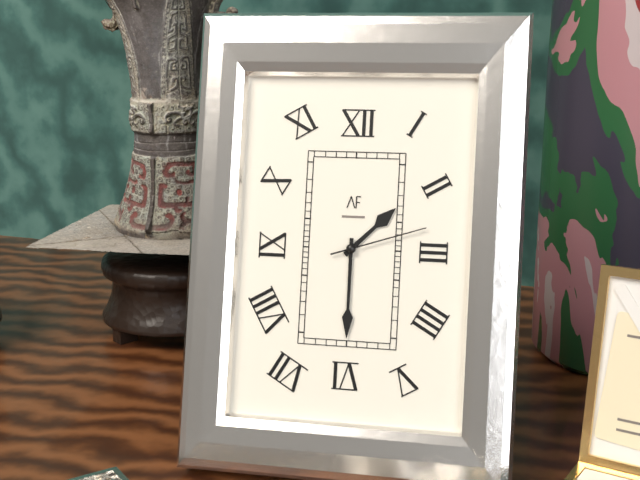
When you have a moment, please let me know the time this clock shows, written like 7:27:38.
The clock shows 1:30:12
